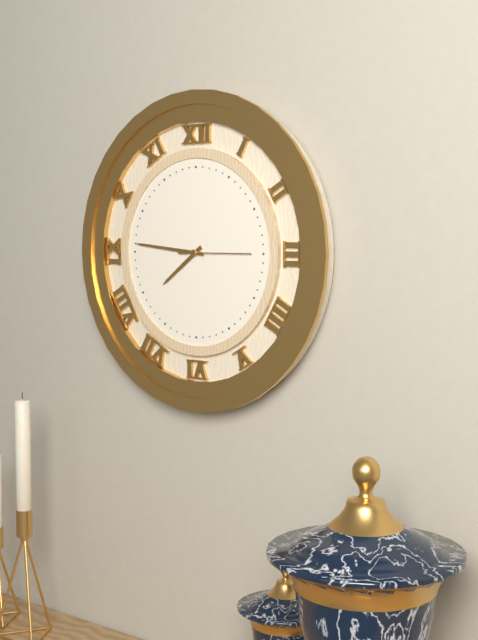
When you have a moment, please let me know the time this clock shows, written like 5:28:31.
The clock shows 7:46:15
